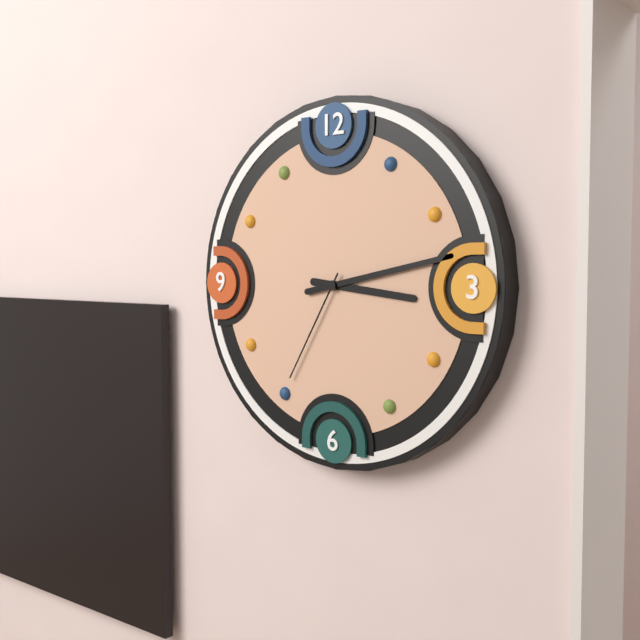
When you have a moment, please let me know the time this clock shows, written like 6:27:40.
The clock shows 3:13:35
